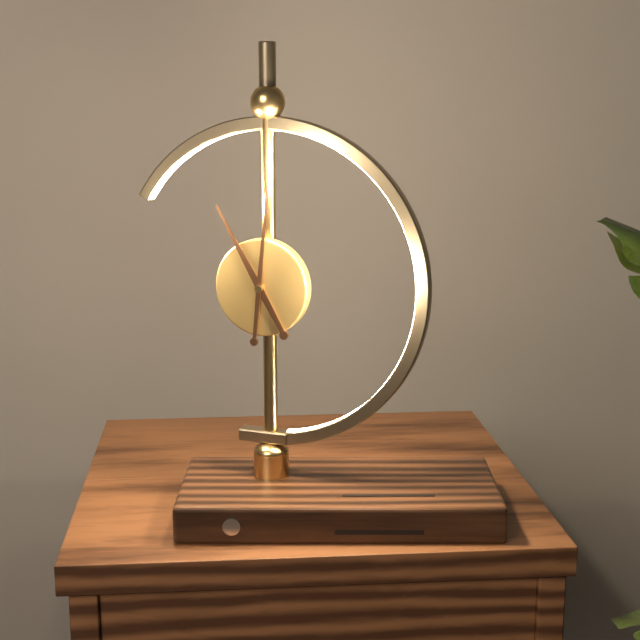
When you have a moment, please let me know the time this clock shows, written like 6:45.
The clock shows 11:01
